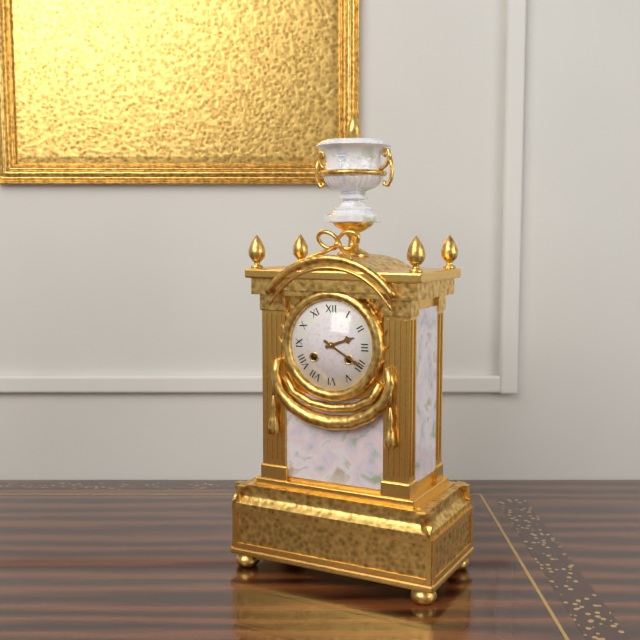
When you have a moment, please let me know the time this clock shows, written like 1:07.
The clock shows 2:20
